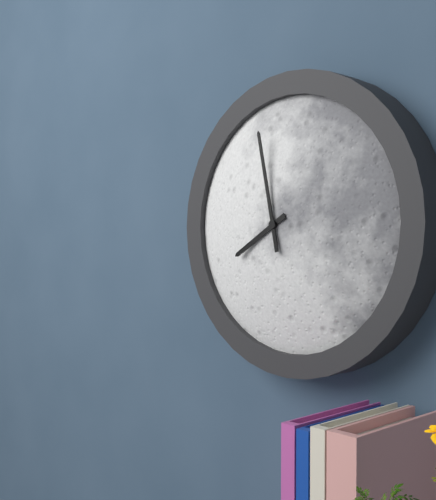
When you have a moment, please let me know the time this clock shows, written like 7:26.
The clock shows 7:58
